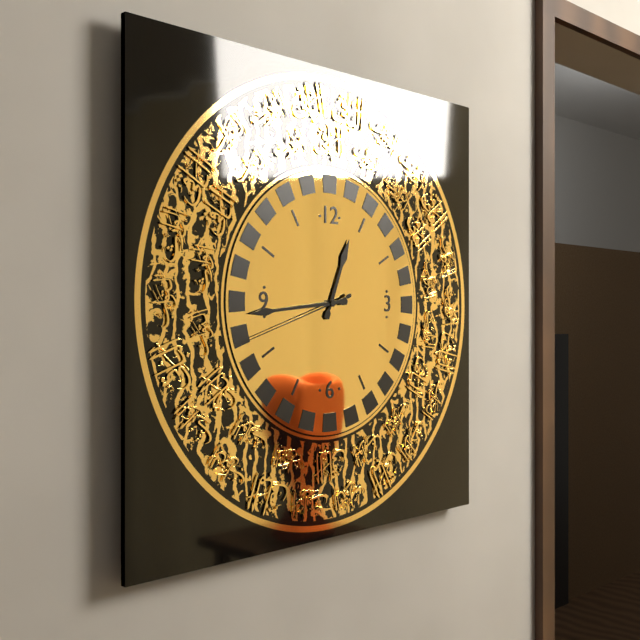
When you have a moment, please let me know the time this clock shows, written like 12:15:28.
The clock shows 12:44:42
